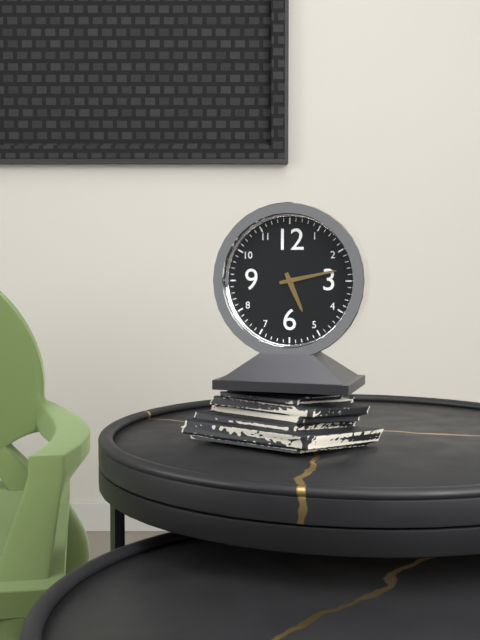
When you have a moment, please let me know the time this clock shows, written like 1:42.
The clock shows 5:13
